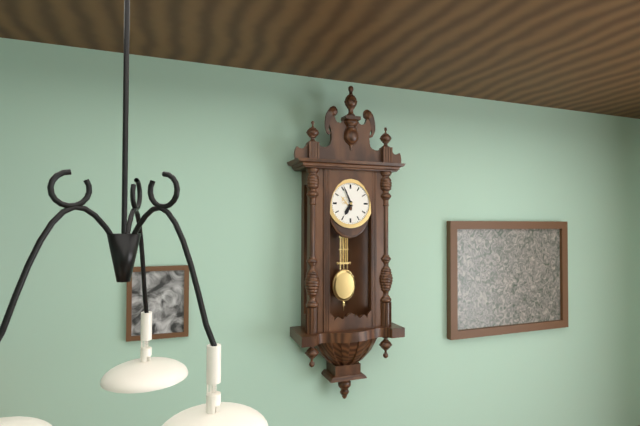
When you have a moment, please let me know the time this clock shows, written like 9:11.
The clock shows 6:56
